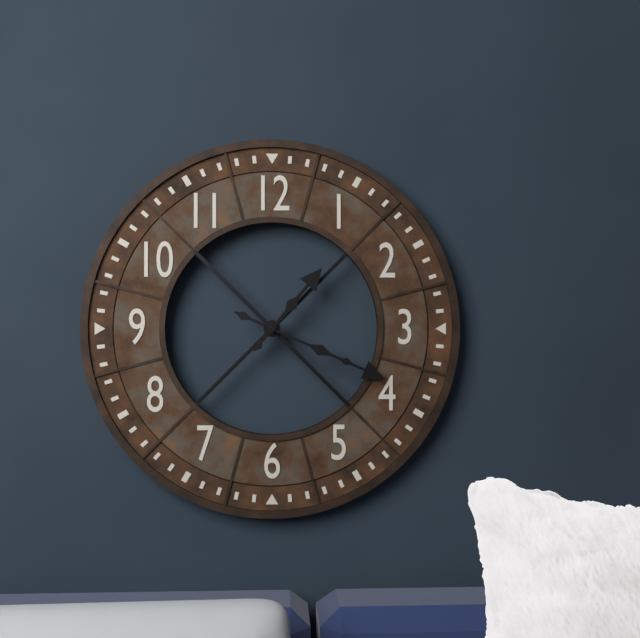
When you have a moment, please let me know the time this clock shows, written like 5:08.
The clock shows 1:19
